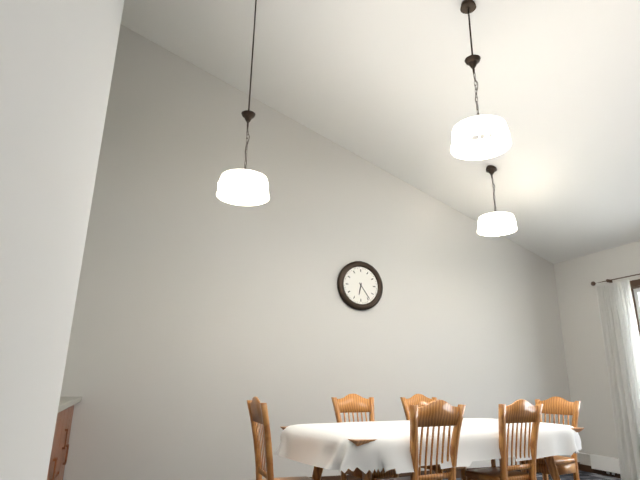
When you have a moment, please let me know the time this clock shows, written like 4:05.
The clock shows 6:24
